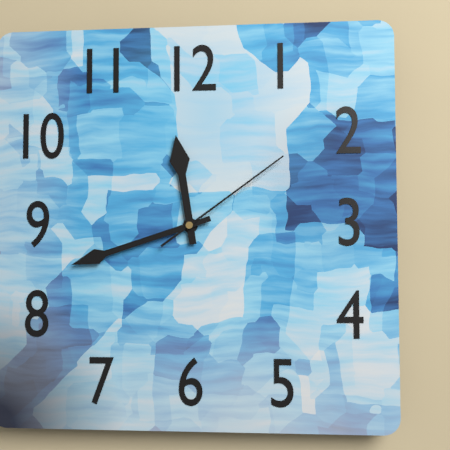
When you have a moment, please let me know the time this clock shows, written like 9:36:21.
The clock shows 11:42:09
